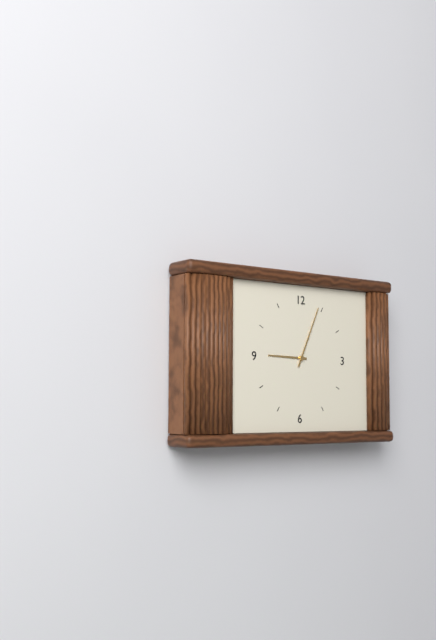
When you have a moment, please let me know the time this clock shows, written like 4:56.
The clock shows 9:04
